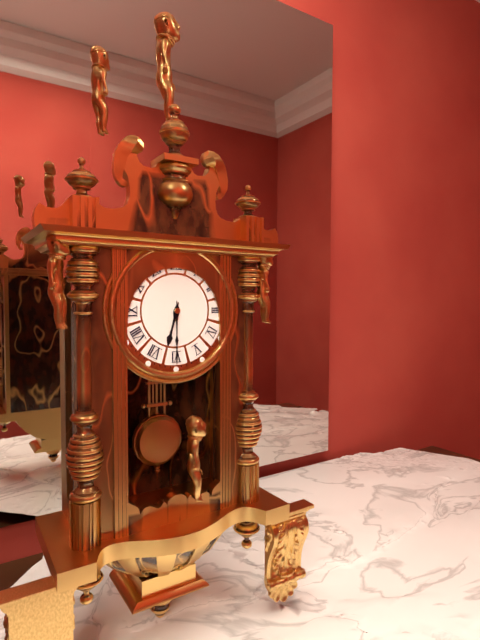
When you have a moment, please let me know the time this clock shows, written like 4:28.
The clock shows 6:30
